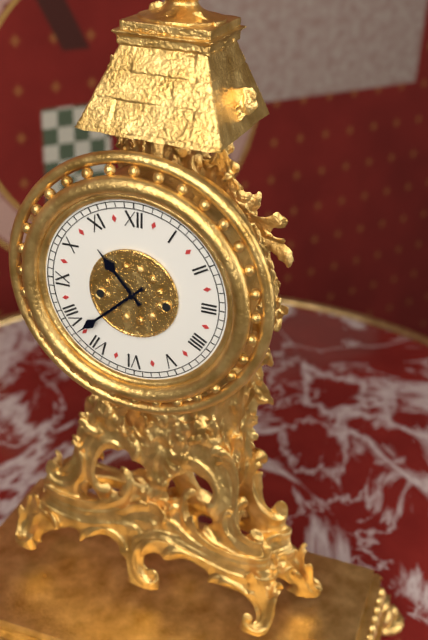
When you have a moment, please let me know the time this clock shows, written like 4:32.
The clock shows 10:38
